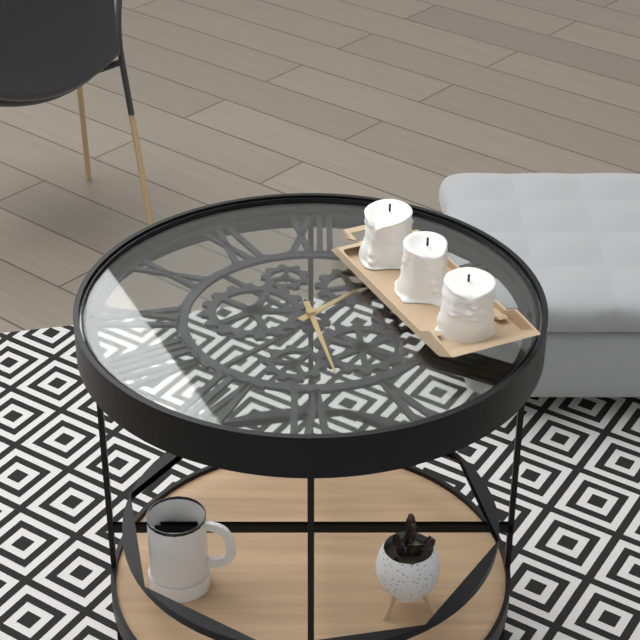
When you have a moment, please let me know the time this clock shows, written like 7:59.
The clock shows 1:28
